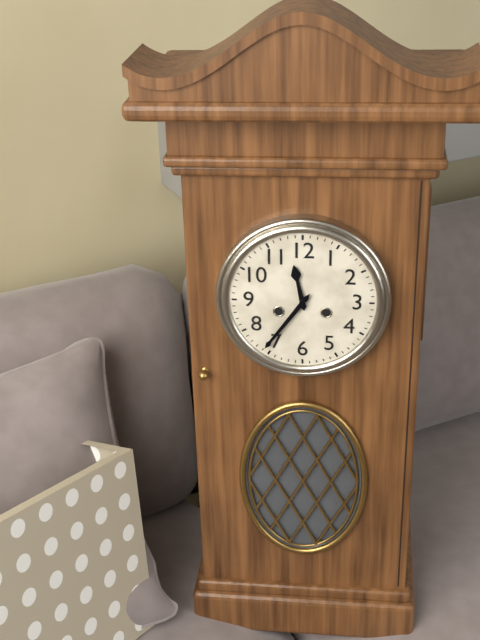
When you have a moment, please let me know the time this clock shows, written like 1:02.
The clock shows 11:36
